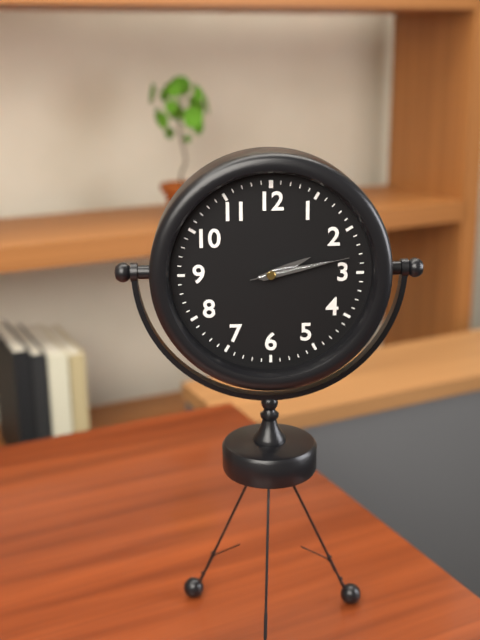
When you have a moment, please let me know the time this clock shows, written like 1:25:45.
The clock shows 2:13:13
